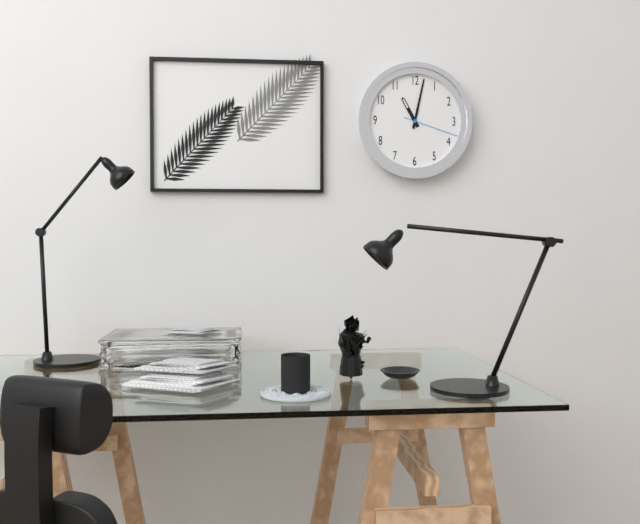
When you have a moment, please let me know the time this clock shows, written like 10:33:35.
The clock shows 11:02:18
